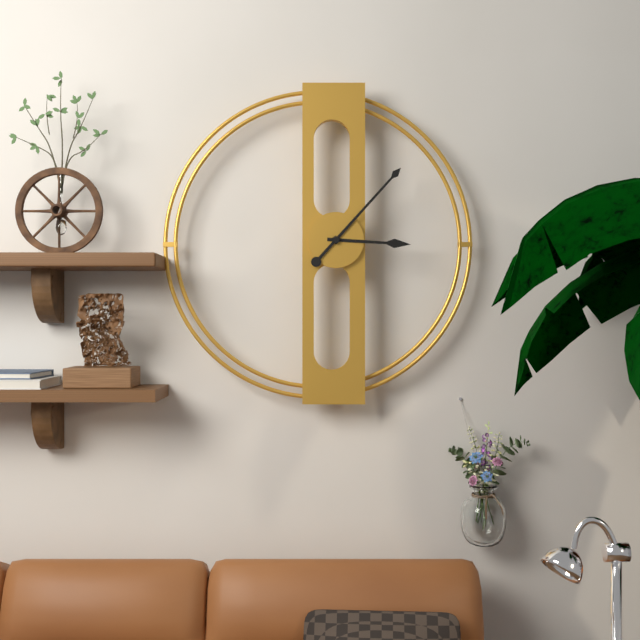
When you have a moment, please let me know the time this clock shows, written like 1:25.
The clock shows 3:07
